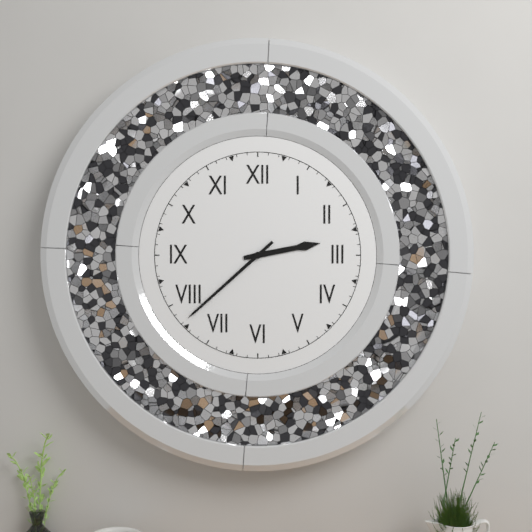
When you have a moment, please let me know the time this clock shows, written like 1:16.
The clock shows 2:38
